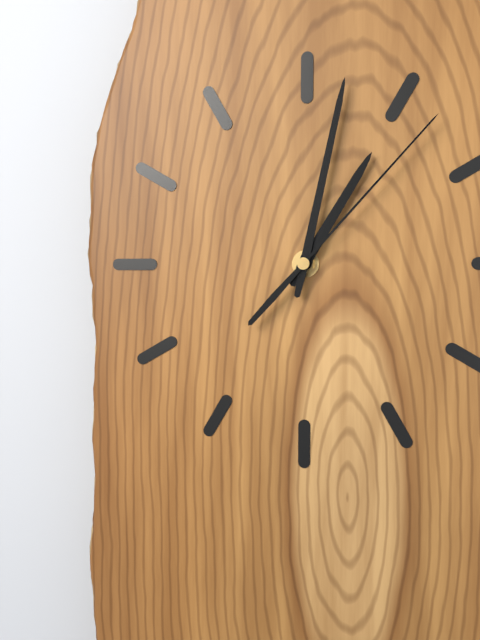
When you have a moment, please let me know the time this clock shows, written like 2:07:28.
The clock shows 1:02:07
